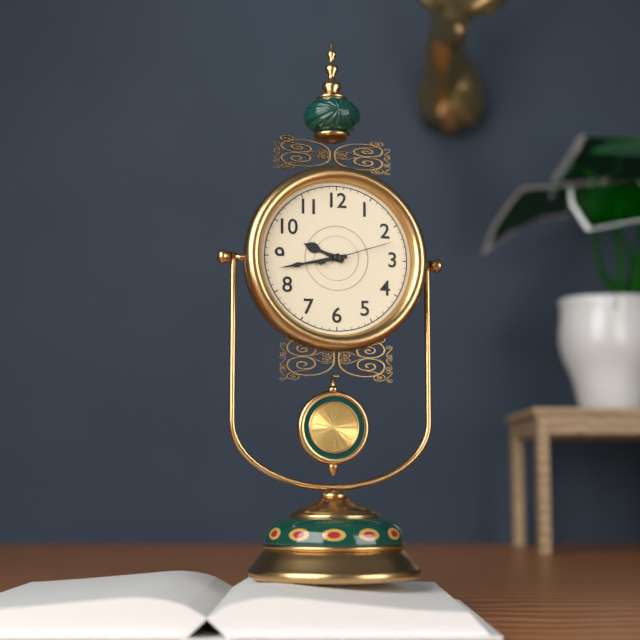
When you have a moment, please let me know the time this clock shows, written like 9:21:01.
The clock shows 9:43:12
